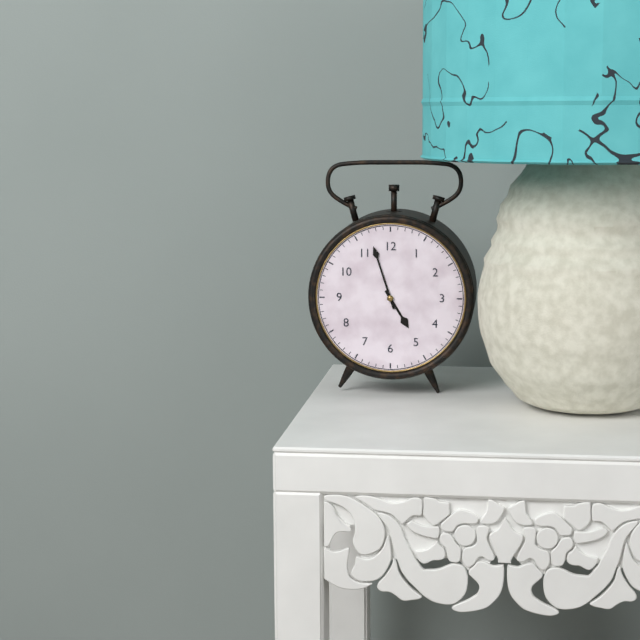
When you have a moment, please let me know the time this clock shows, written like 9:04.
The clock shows 4:57
